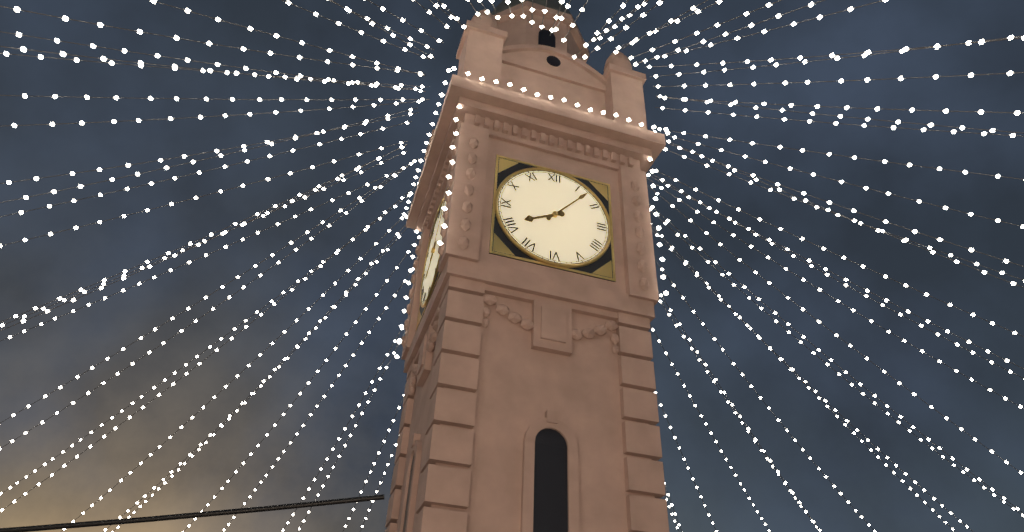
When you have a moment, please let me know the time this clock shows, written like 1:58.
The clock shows 8:07
